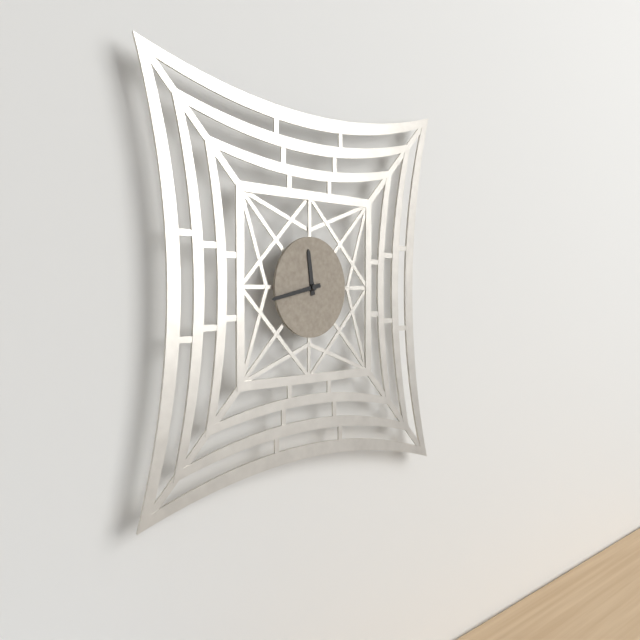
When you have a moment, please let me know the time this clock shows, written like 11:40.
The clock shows 11:43
